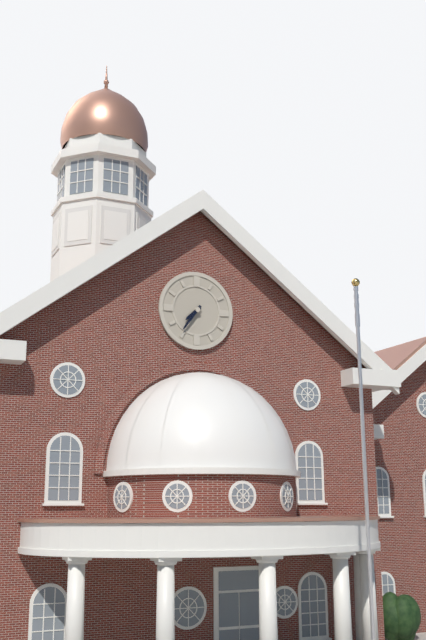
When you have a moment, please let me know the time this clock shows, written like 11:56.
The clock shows 7:36
